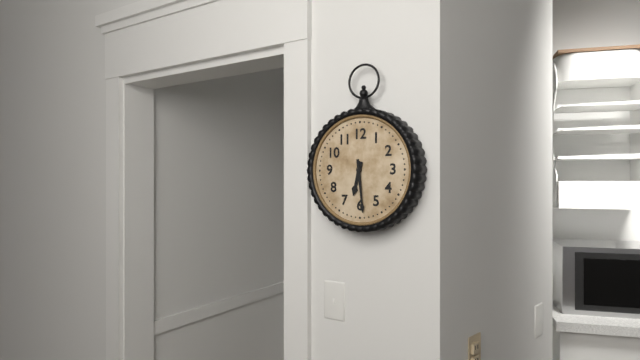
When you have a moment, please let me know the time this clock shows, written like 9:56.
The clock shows 6:29
